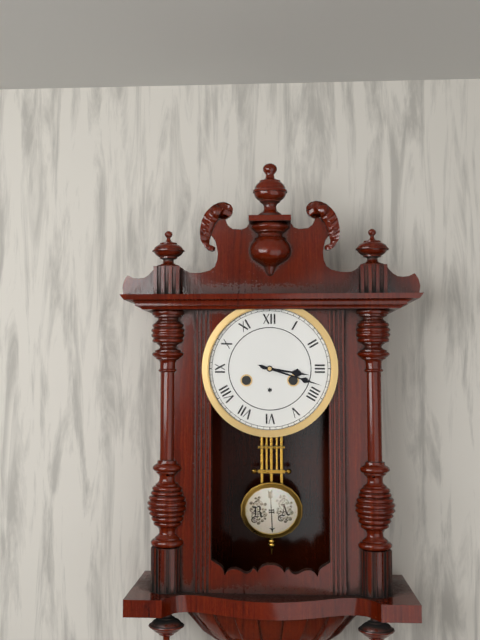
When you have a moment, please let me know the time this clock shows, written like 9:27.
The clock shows 3:18
